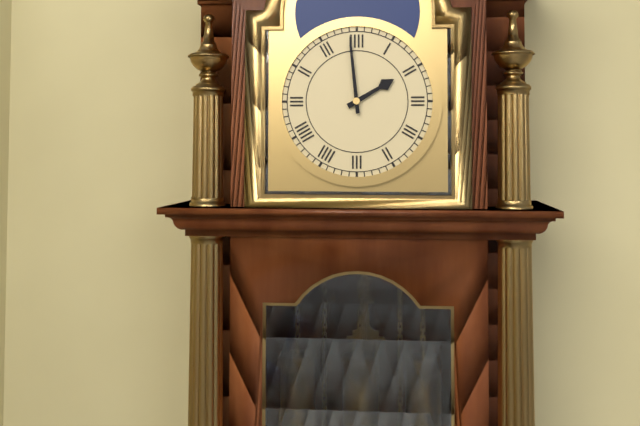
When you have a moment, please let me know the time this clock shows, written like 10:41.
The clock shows 1:59
